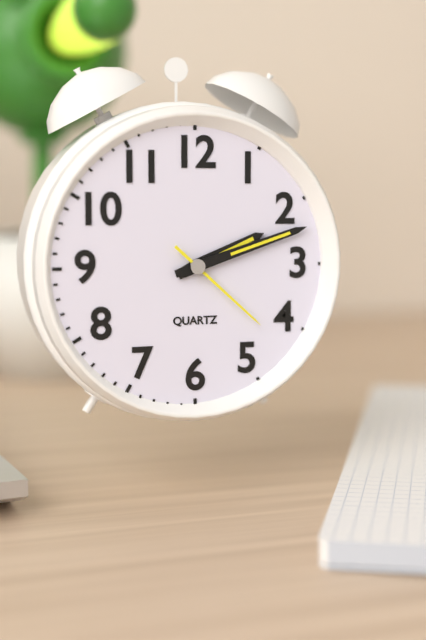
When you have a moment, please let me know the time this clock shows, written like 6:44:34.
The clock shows 2:12:22
